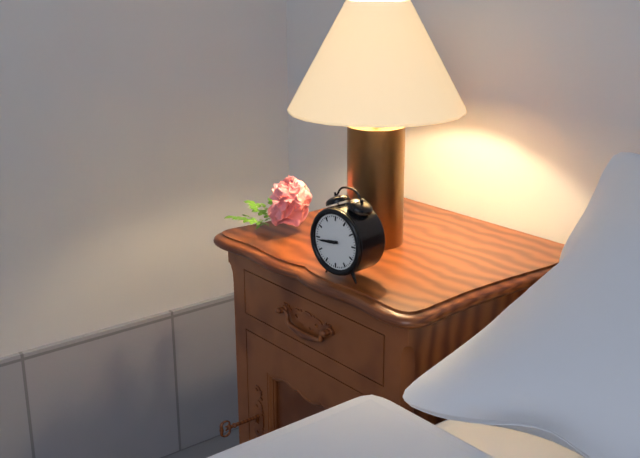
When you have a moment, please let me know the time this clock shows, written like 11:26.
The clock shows 8:44
